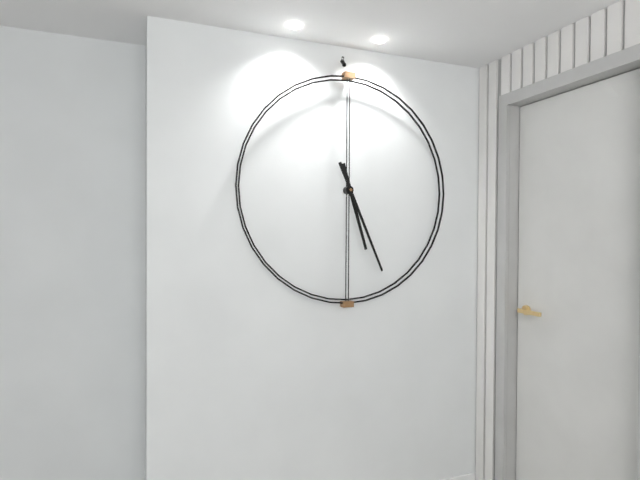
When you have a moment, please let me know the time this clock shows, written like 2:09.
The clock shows 5:26
